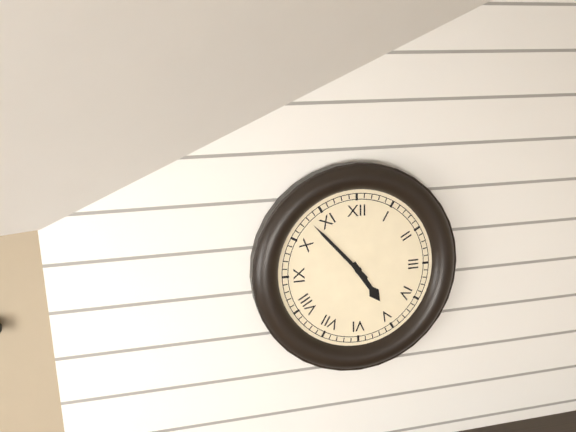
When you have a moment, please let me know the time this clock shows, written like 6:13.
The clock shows 4:53
